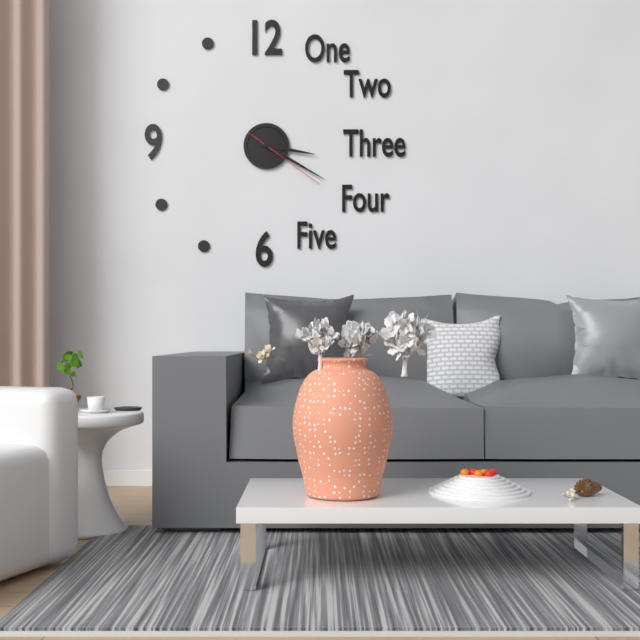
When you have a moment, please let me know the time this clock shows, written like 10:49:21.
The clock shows 3:20:21
